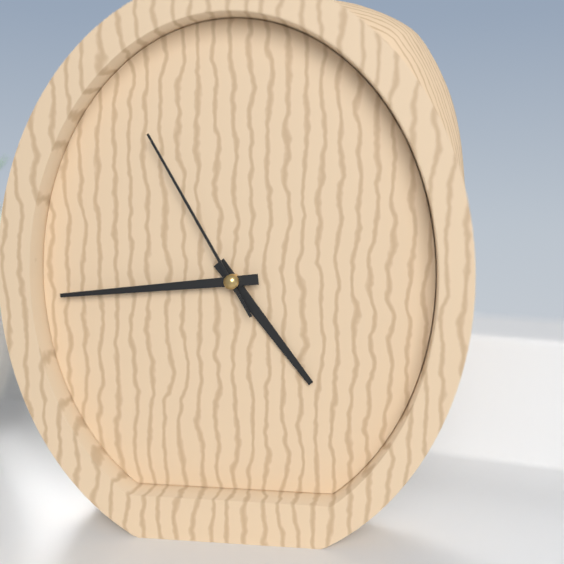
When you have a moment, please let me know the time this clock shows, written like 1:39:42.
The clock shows 4:44:55
